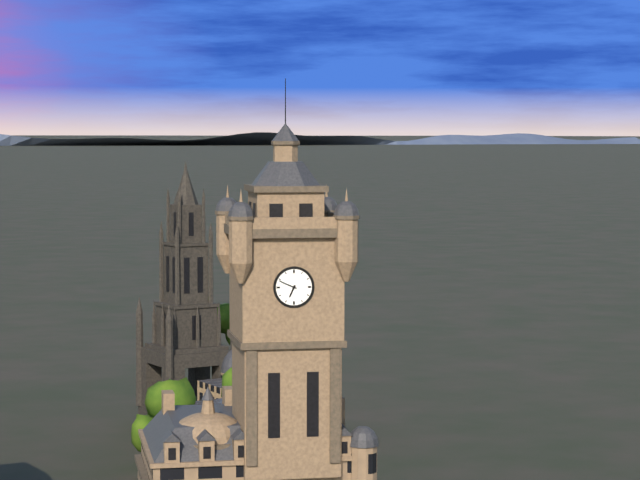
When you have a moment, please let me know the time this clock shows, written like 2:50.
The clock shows 6:49
